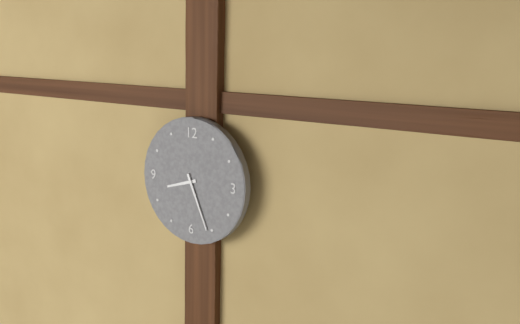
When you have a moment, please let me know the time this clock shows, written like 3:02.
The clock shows 8:26
